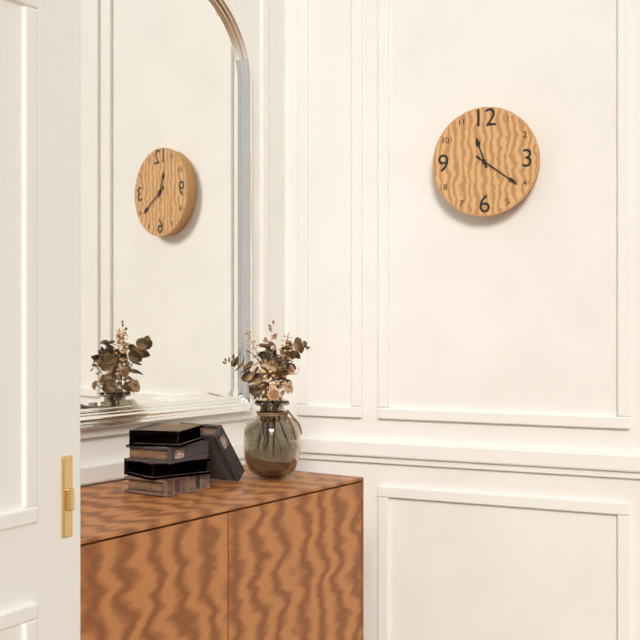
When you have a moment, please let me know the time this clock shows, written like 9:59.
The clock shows 11:21
